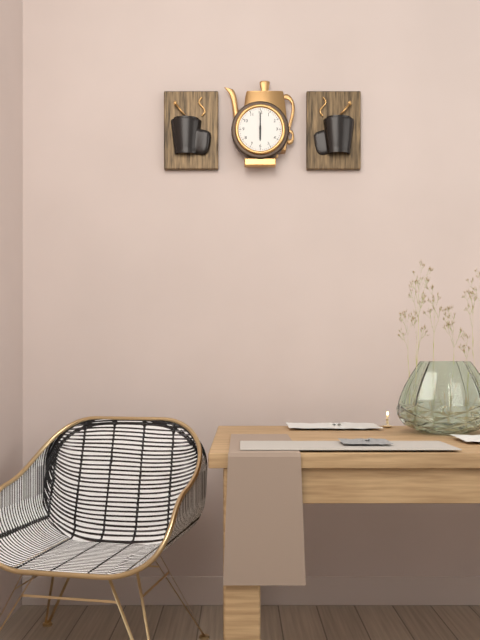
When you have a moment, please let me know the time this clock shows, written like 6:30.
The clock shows 6:00
